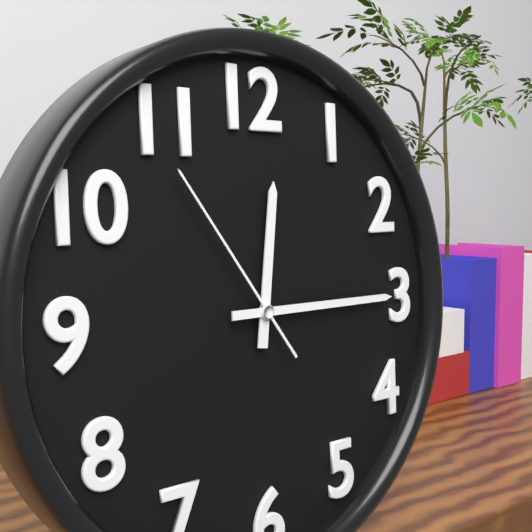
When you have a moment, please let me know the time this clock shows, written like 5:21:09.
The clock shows 12:15:54
